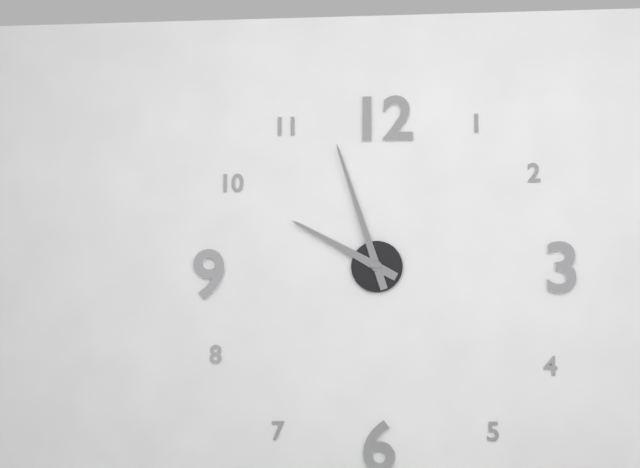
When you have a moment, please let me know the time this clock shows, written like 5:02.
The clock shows 9:57
